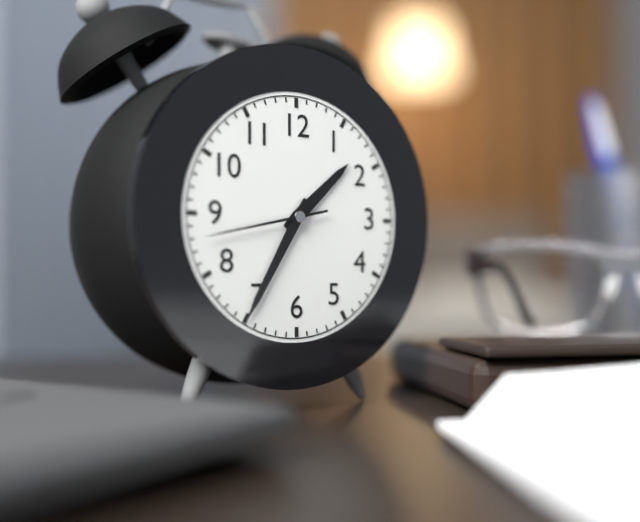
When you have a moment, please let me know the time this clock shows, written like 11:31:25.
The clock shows 1:35:43
